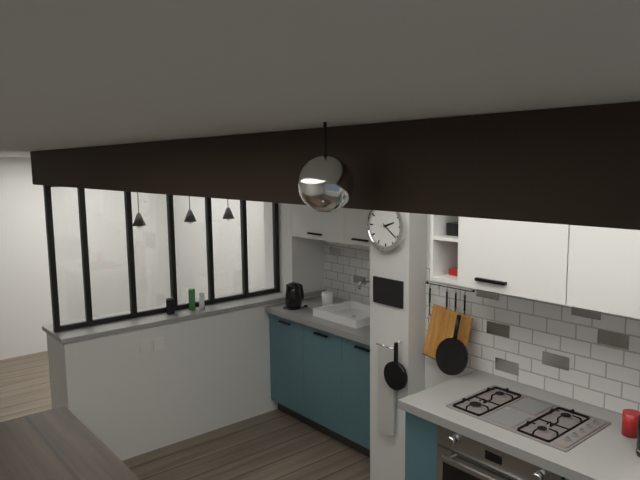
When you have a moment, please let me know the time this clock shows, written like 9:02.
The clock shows 2:21
